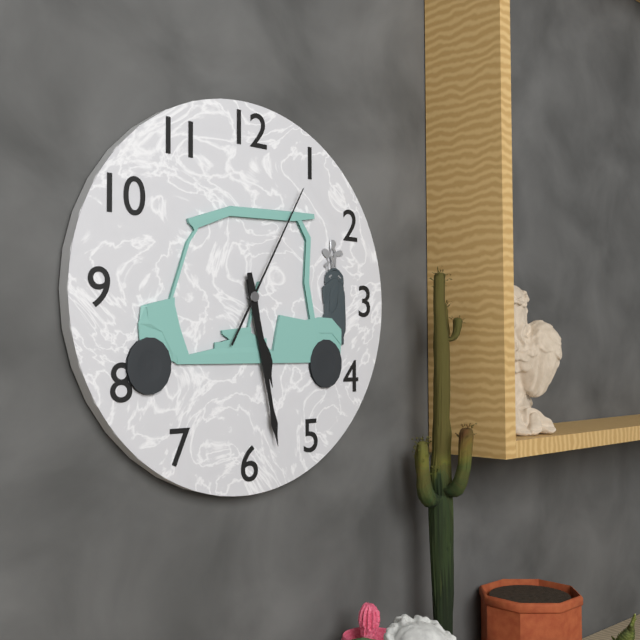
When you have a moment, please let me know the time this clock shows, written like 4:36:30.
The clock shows 5:28:05
